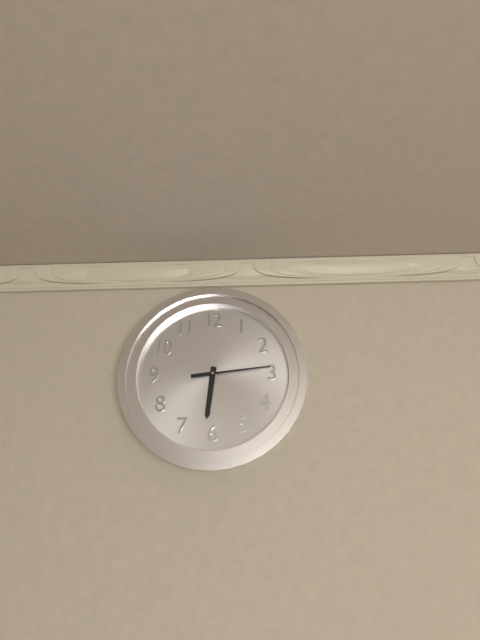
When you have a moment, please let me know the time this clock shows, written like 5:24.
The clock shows 6:14
